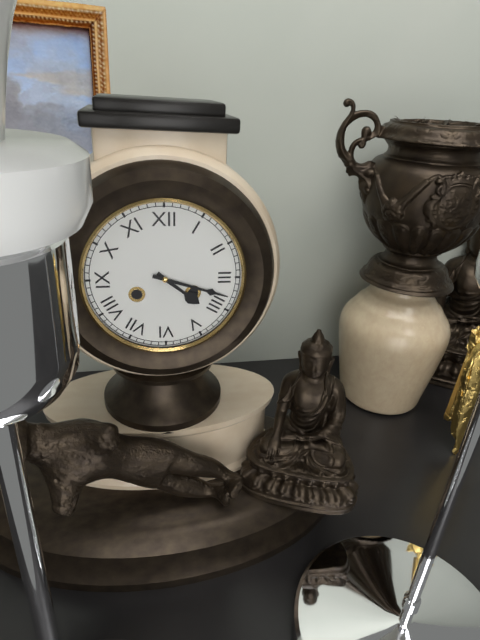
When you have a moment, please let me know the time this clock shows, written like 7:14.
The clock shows 4:18
